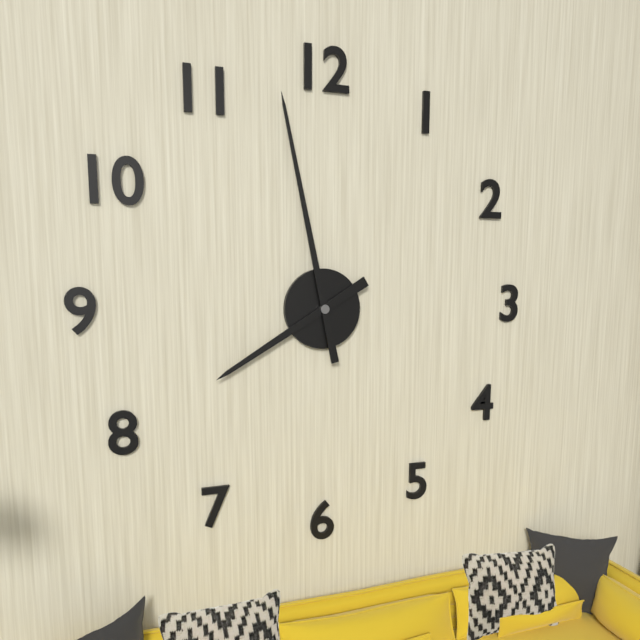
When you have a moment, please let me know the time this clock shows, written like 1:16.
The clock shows 7:58
